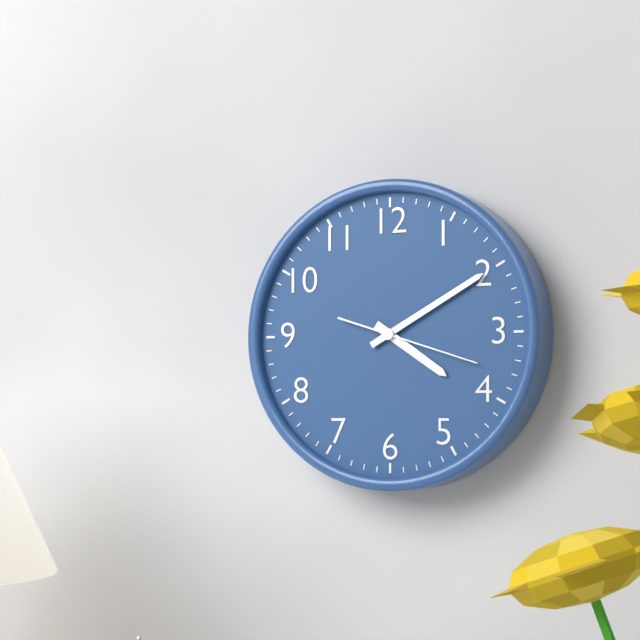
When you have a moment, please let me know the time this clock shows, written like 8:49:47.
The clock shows 4:10:18
